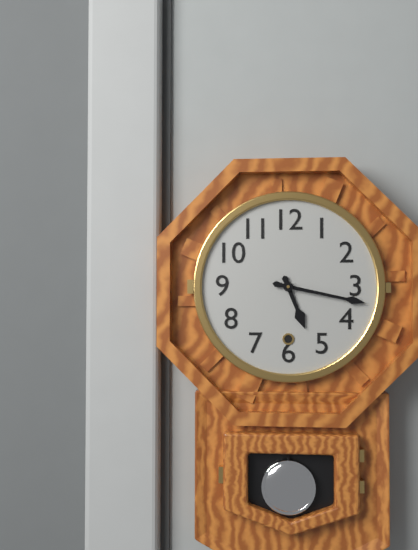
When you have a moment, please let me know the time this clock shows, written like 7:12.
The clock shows 5:17
